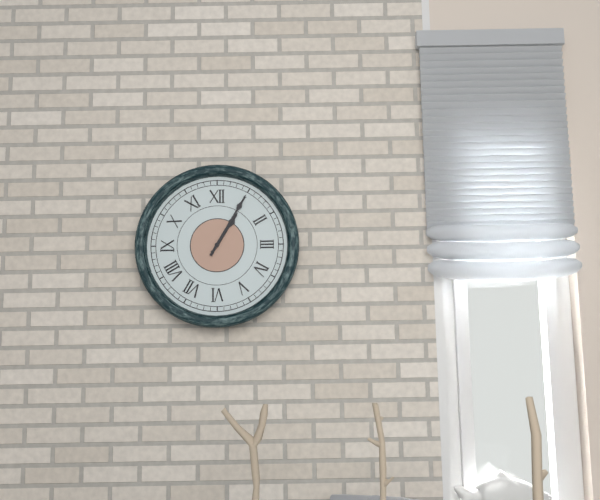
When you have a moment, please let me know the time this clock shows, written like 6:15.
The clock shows 1:05
